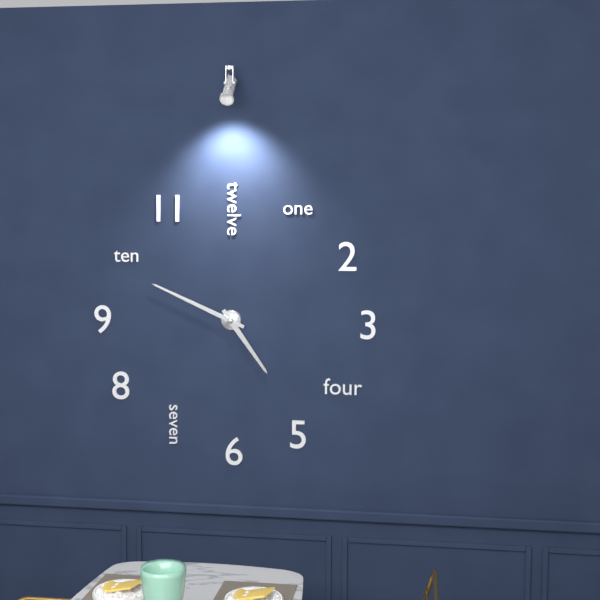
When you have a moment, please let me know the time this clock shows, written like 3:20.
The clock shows 4:49
